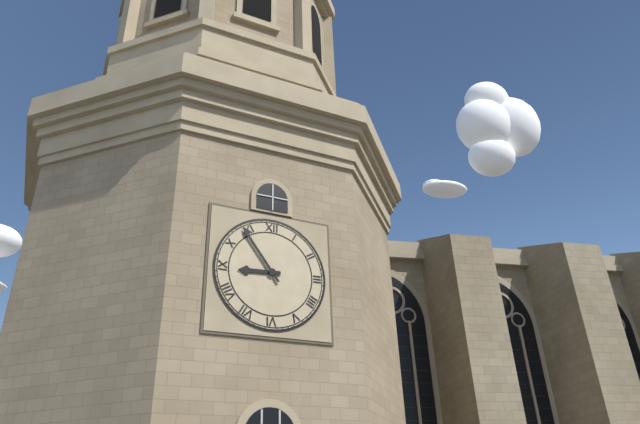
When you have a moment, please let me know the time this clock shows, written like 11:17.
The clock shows 8:54
